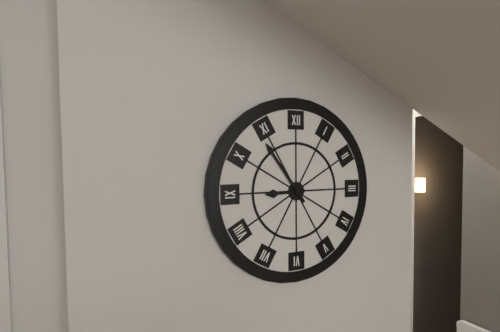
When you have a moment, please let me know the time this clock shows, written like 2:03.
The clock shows 8:54
